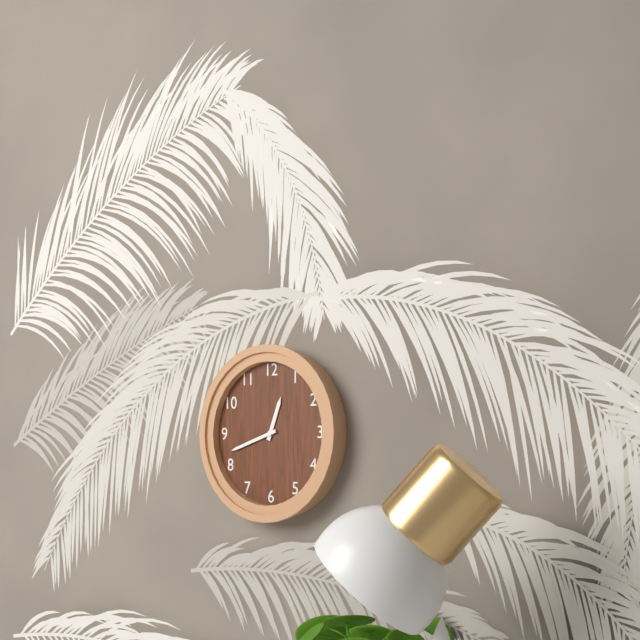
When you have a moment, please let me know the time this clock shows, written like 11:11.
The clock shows 12:42
